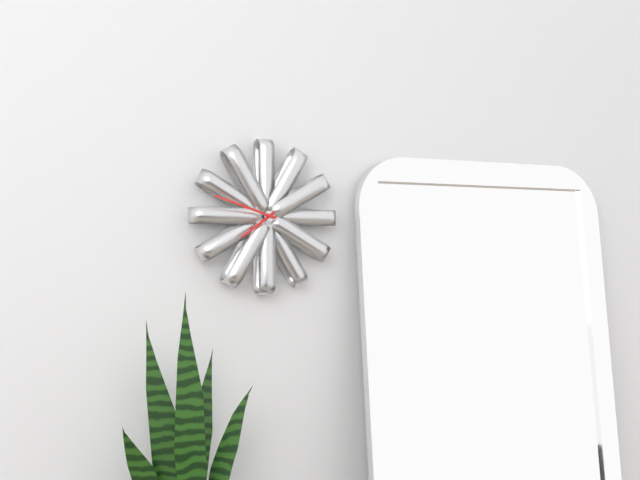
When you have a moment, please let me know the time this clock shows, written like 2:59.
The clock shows 7:48
